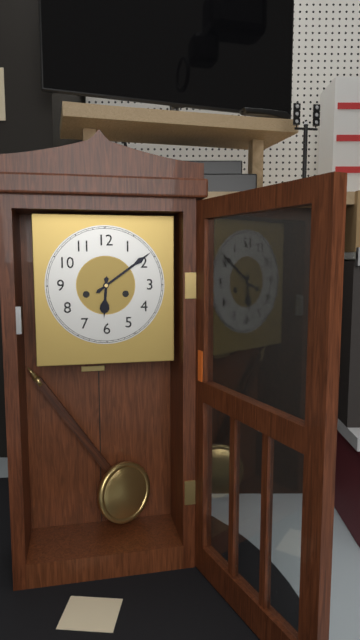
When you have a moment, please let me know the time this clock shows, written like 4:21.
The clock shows 6:09
